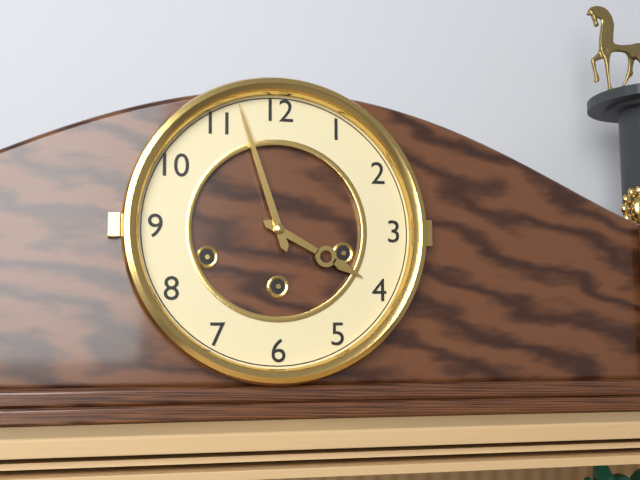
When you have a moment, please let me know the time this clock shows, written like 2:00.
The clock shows 3:57
